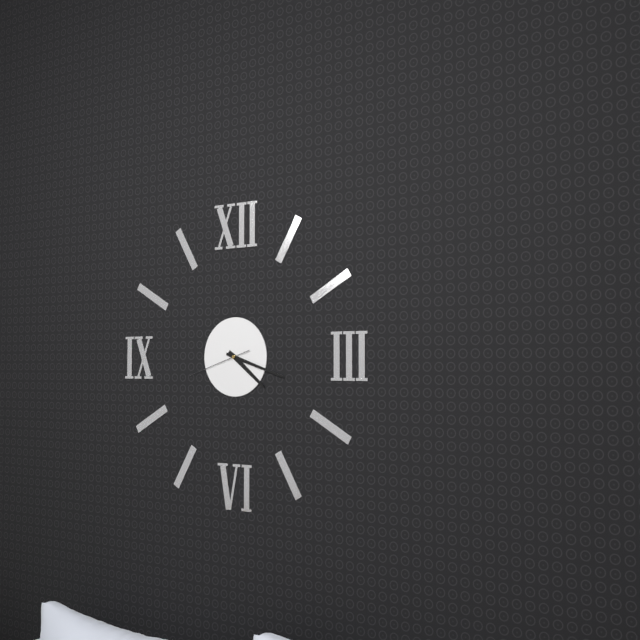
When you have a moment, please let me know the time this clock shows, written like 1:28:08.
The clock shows 4:18:42
